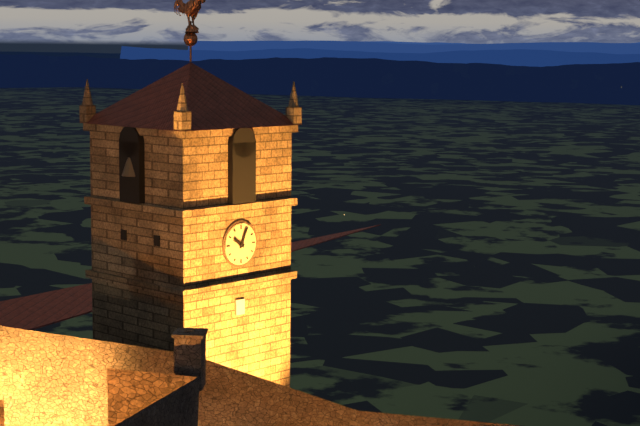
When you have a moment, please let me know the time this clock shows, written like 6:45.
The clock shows 10:04
